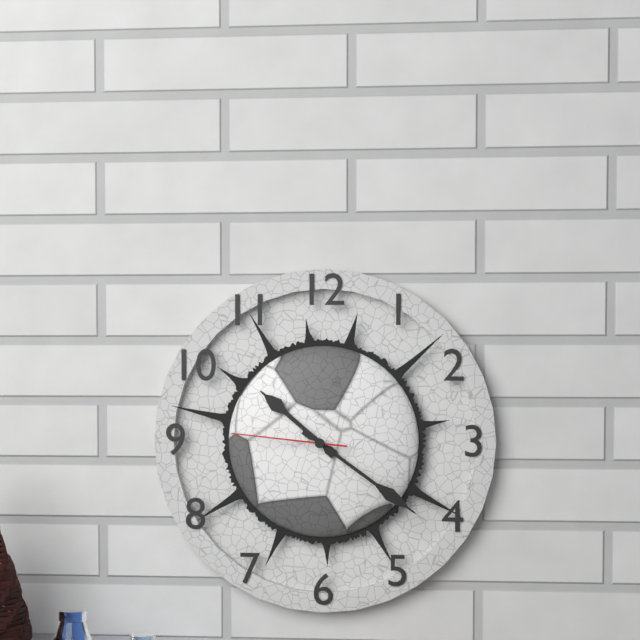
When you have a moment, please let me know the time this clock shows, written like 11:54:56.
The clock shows 10:21:46
